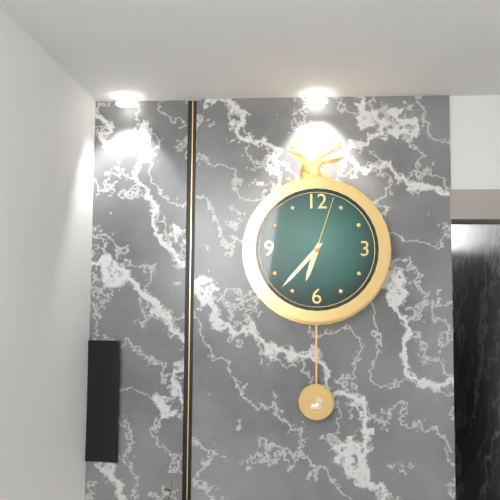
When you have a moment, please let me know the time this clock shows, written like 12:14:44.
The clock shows 6:37:03
